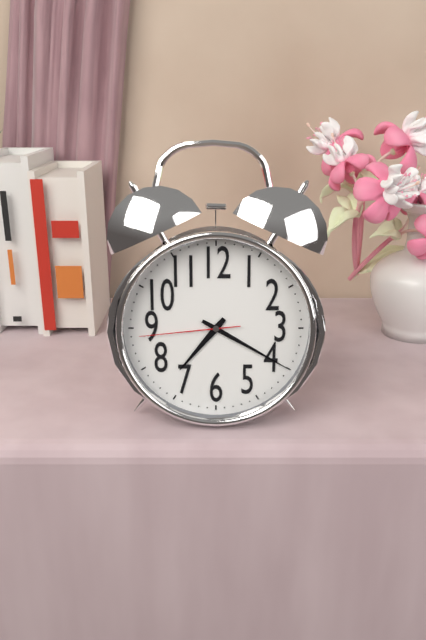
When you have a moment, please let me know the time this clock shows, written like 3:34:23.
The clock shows 7:20:44
